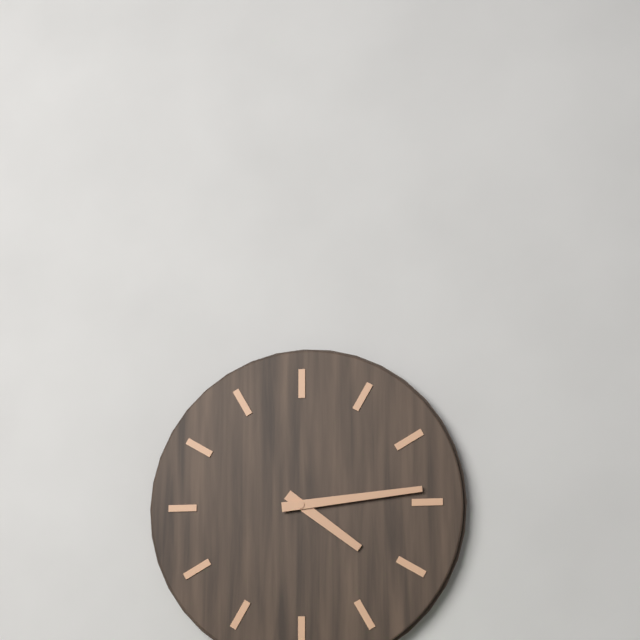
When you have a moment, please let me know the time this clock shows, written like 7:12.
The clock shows 4:14
